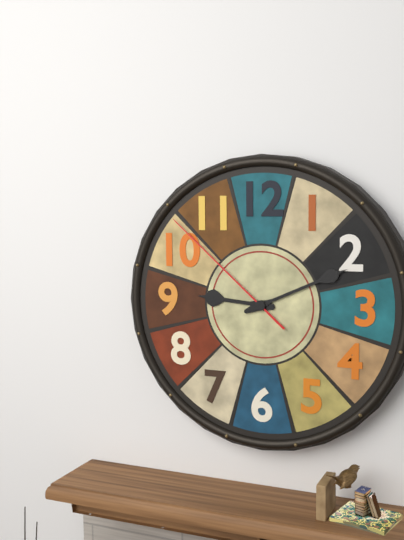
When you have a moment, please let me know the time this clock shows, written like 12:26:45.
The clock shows 9:11:52
